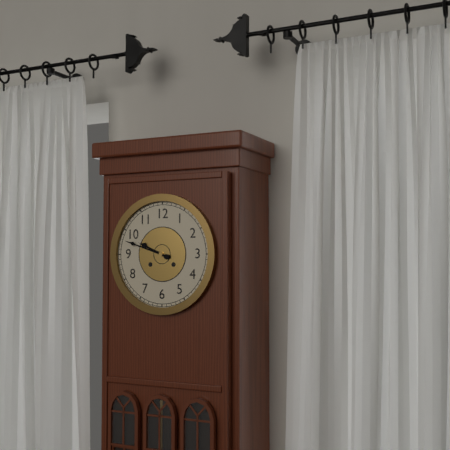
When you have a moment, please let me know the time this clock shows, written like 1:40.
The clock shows 9:48
